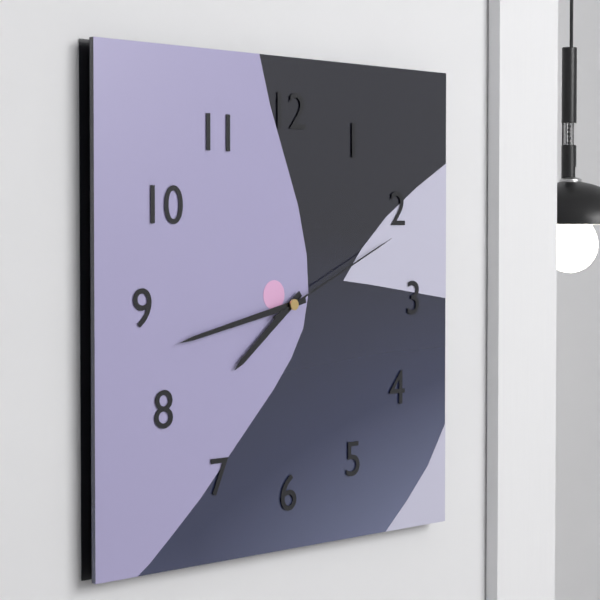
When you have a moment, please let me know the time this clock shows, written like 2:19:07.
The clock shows 7:43:11
